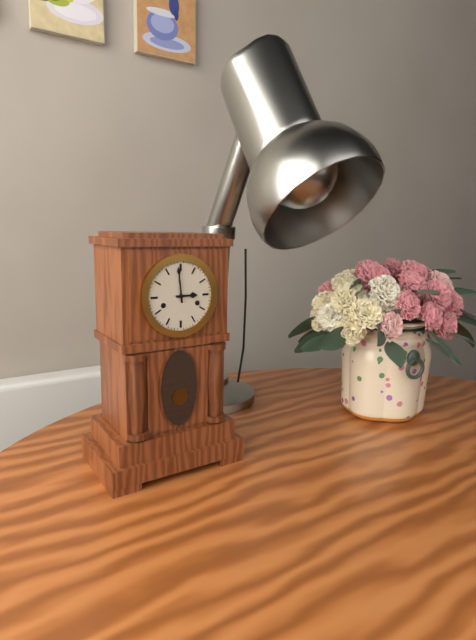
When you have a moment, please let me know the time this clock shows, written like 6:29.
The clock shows 2:59
